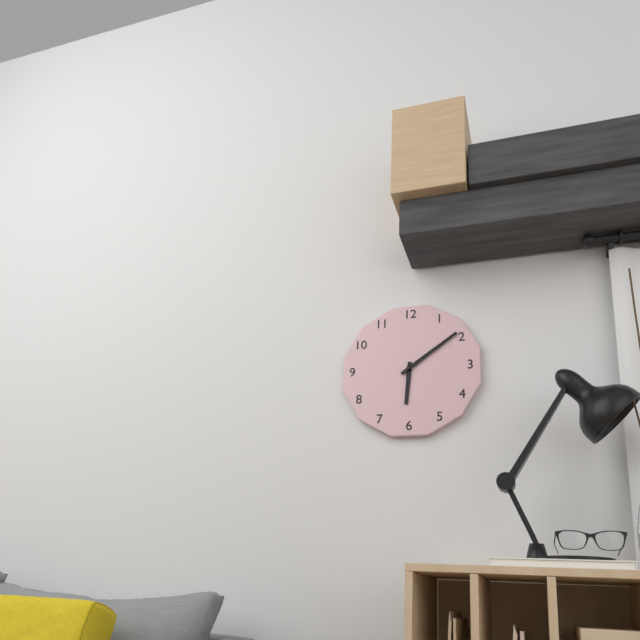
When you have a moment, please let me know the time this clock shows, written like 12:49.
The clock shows 6:09
